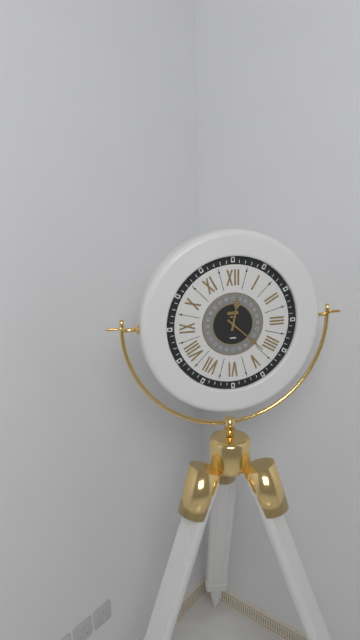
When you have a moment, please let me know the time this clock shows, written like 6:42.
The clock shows 12:22
